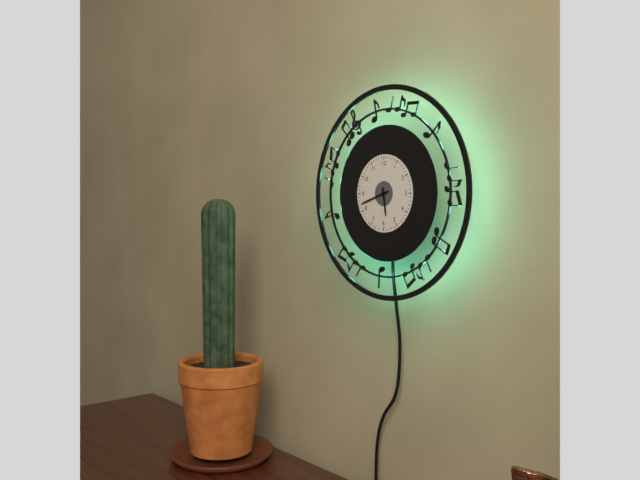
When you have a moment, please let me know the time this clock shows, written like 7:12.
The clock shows 5:42
